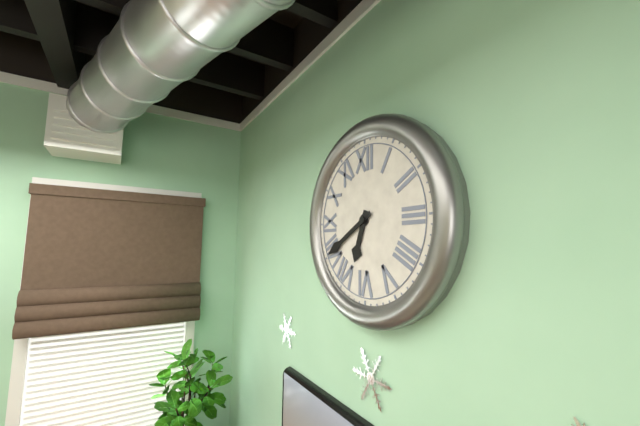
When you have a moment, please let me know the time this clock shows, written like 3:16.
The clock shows 6:40
